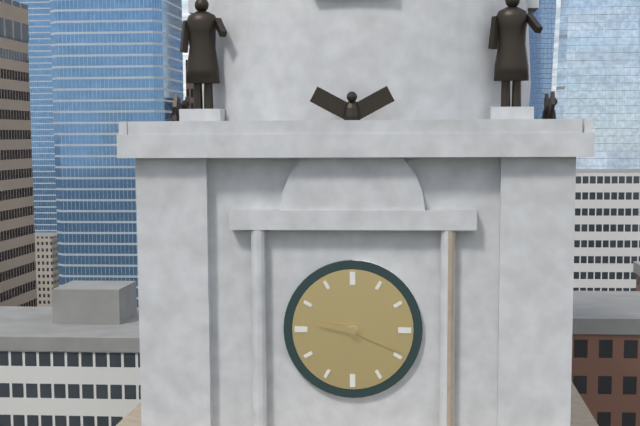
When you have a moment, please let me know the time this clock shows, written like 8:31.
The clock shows 9:19
